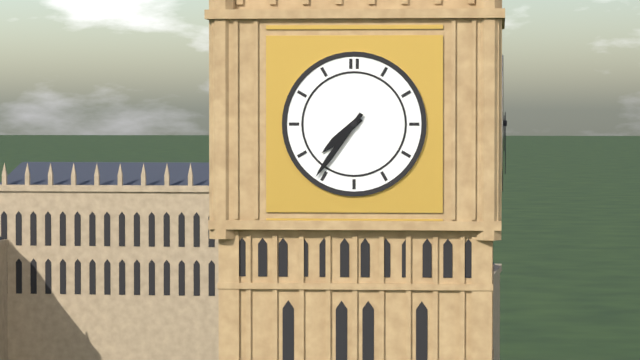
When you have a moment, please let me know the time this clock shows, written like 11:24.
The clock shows 7:36
